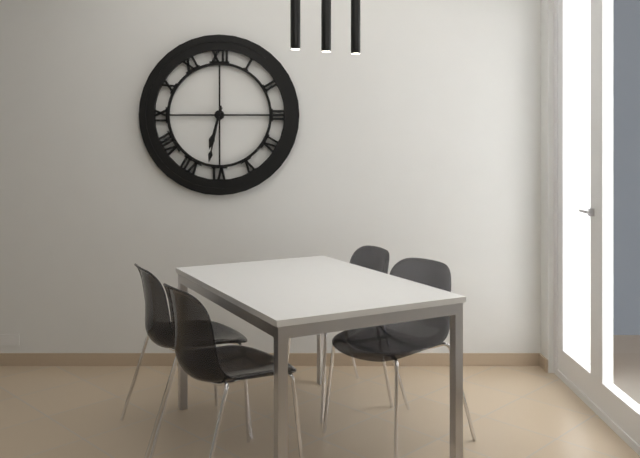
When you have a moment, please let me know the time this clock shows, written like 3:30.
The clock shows 6:32
